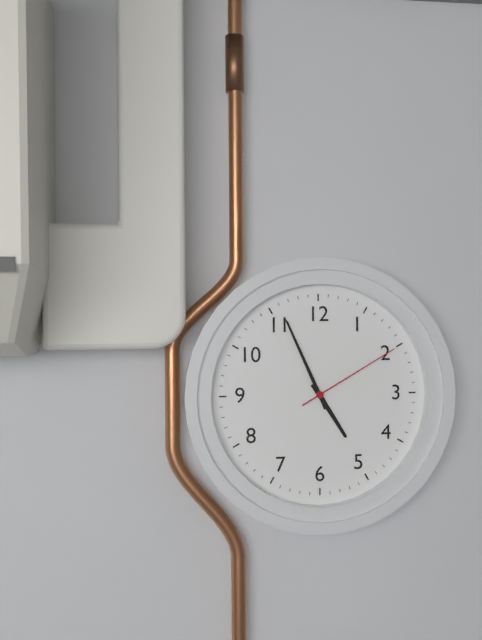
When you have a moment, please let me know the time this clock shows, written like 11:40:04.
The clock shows 4:56:10
